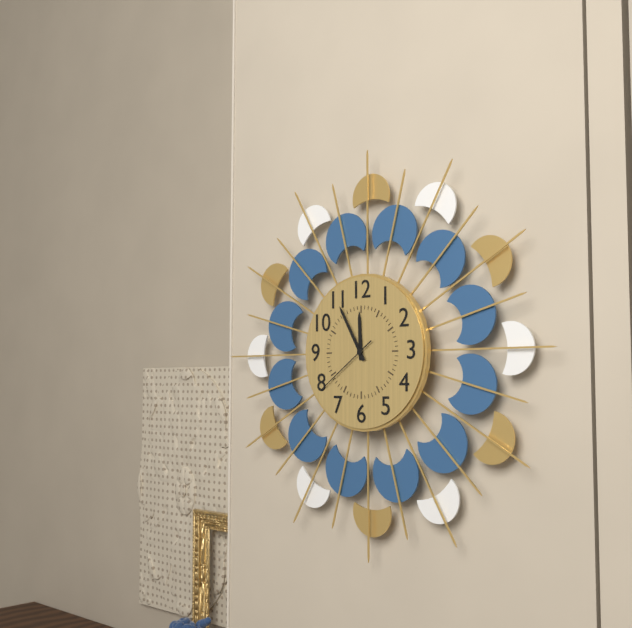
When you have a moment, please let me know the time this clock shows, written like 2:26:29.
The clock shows 11:55:39
